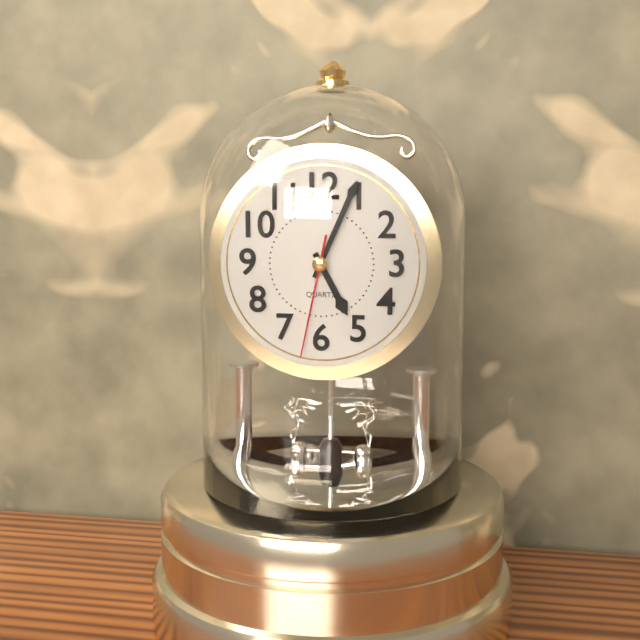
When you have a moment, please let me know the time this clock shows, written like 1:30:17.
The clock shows 5:04:32
